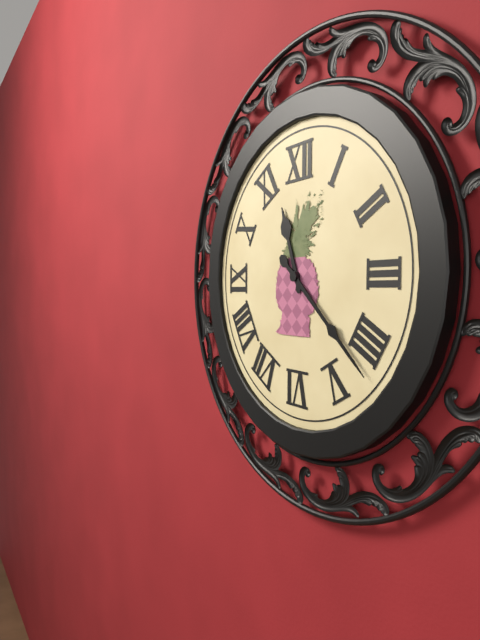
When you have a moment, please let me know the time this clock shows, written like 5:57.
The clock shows 11:22
